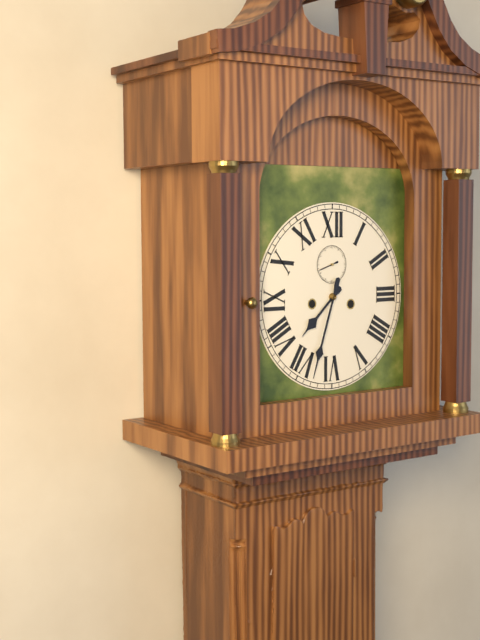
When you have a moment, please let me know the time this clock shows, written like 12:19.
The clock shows 7:33
